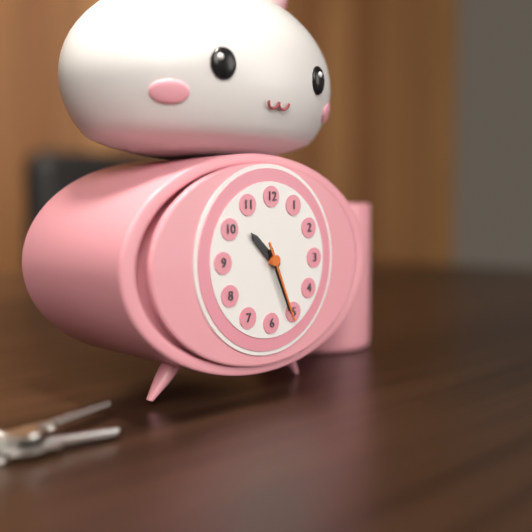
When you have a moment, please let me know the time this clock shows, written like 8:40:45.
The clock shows 10:26:26
